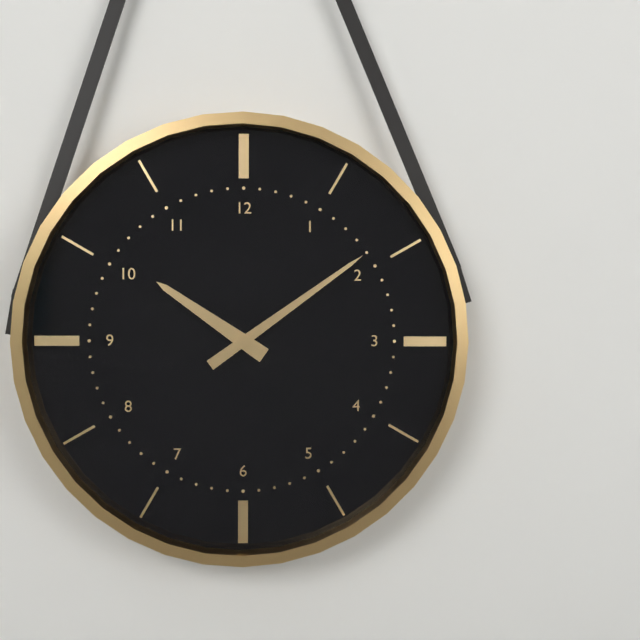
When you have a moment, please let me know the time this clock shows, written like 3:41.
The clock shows 10:09
